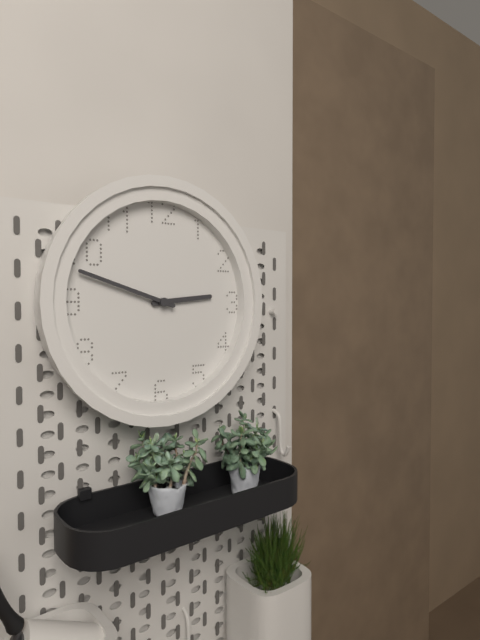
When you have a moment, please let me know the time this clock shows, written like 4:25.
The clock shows 2:48
